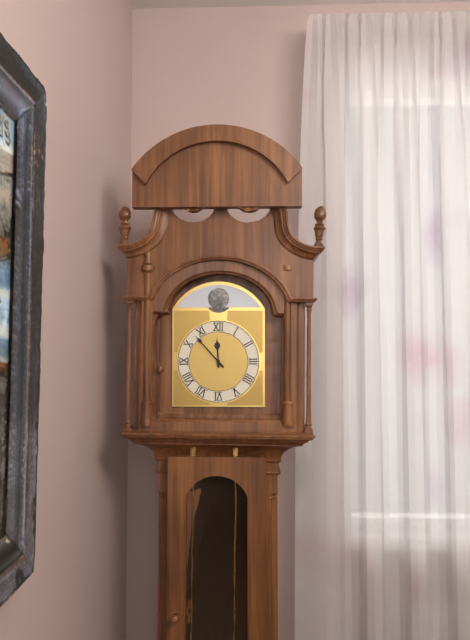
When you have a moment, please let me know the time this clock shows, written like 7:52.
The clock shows 11:53
